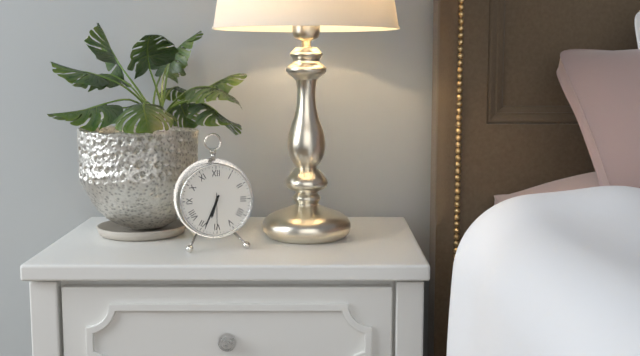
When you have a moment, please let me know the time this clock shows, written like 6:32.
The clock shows 6:34
